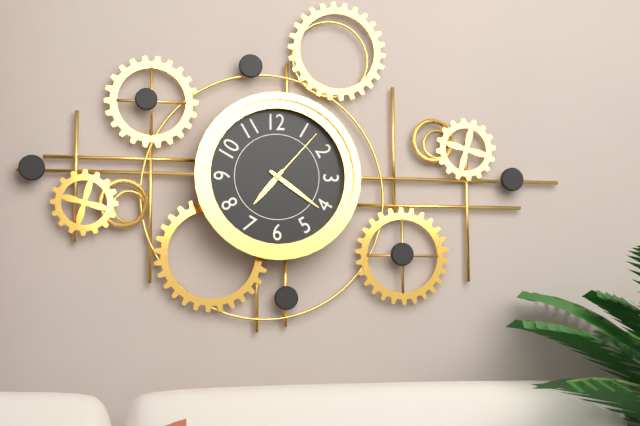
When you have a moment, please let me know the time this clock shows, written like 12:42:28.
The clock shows 7:21:07
